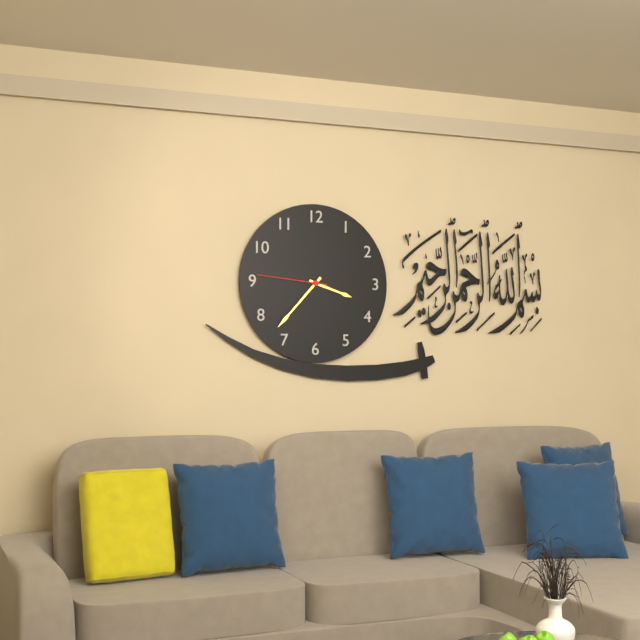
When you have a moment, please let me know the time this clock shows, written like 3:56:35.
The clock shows 3:37:46
